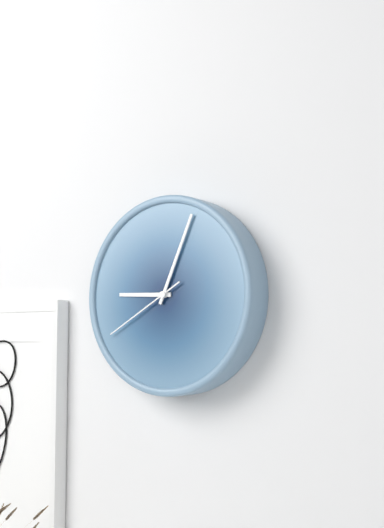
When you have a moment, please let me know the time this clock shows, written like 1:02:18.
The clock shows 9:04:40
